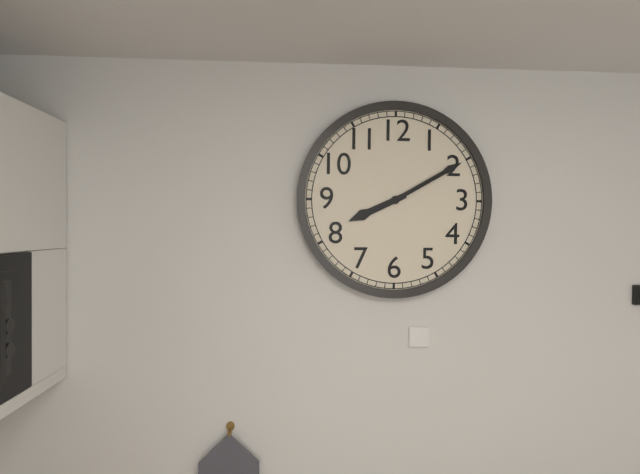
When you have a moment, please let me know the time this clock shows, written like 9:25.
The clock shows 8:10
